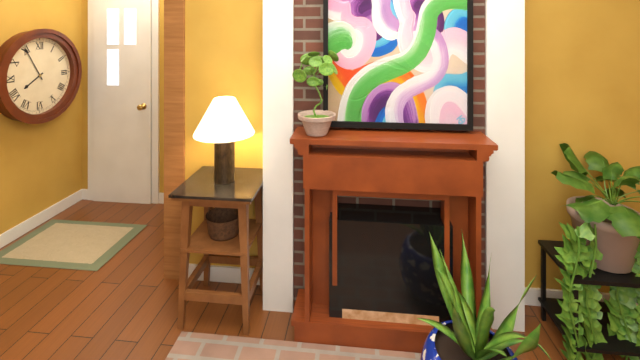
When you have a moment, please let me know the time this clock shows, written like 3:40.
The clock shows 7:55
